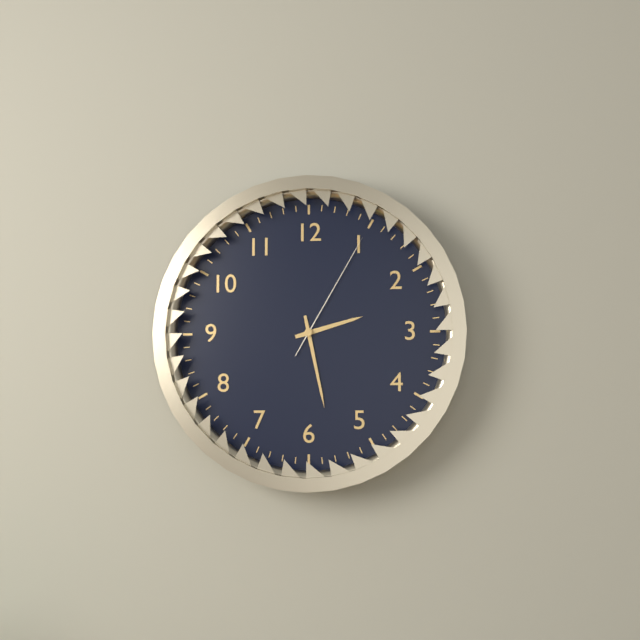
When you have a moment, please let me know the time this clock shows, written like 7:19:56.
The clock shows 2:28:05
